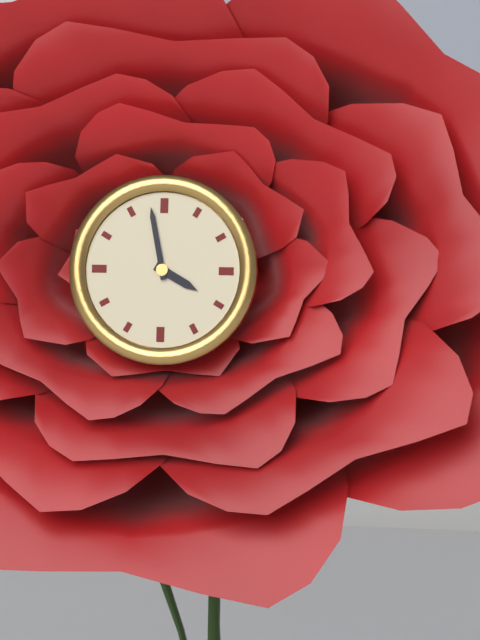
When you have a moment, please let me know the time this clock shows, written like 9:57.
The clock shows 3:58
